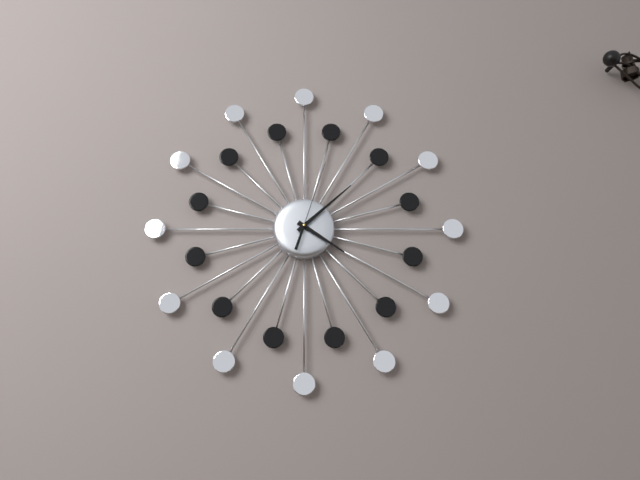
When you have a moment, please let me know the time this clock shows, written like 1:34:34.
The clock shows 4:08:03
